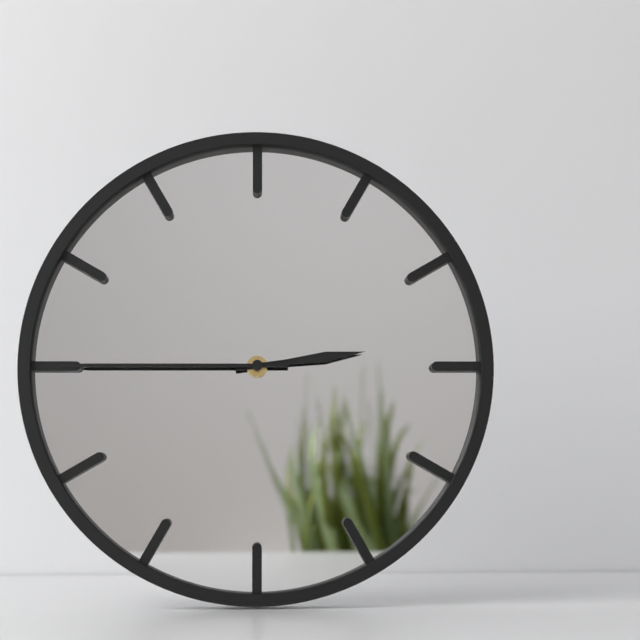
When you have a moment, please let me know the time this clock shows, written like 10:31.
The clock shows 2:45
